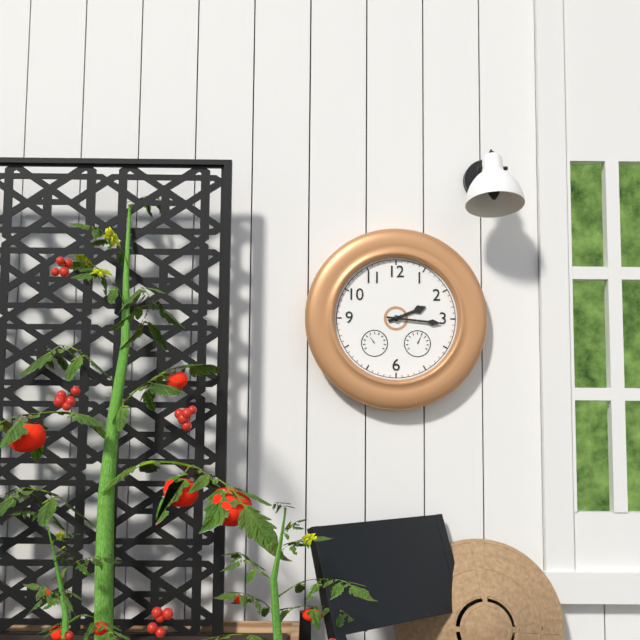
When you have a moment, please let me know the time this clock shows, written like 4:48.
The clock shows 2:16
